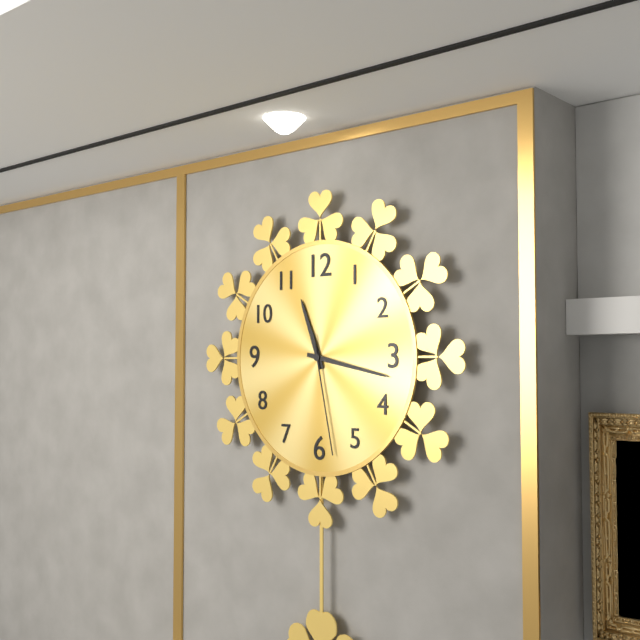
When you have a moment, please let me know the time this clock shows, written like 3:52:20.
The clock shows 11:17:28
